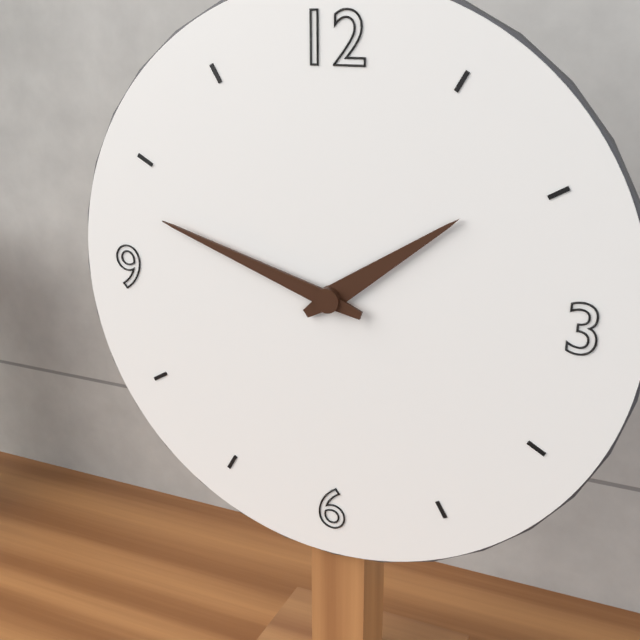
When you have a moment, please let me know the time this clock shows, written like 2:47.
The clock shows 1:48
